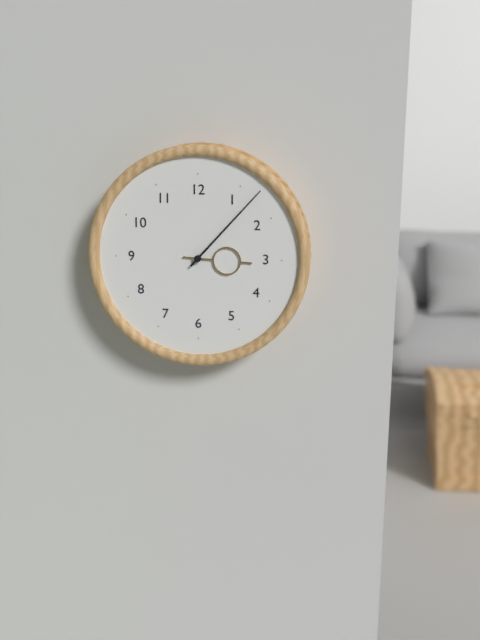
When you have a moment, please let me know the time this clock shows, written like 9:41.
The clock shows 3:07
